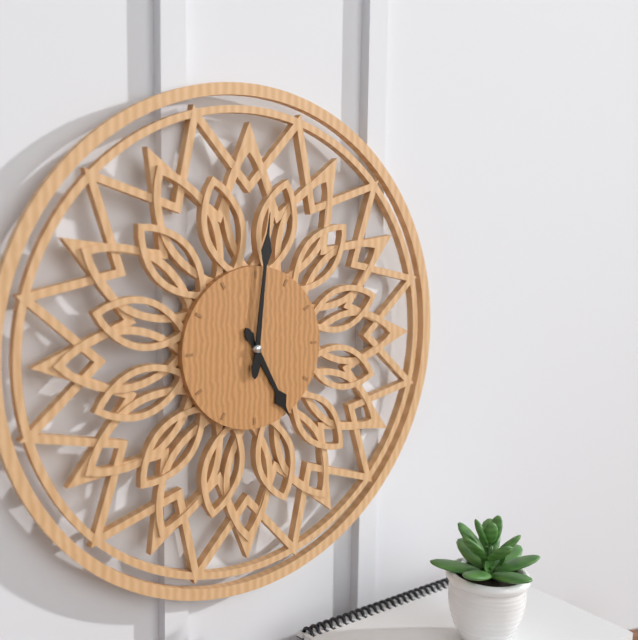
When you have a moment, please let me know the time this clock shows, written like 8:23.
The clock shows 5:01
